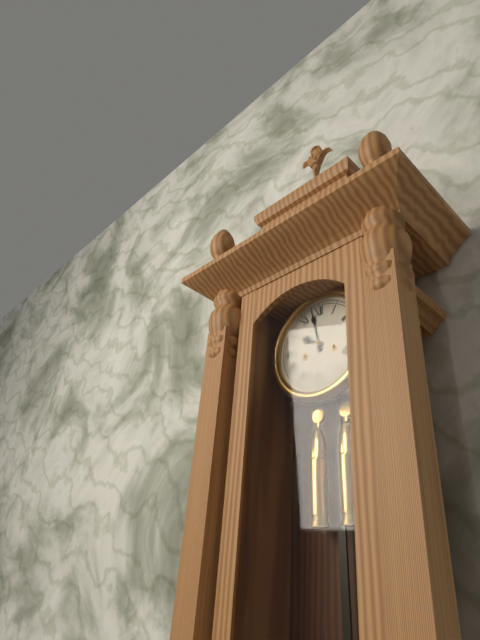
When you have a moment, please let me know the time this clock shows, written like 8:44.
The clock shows 9:58
